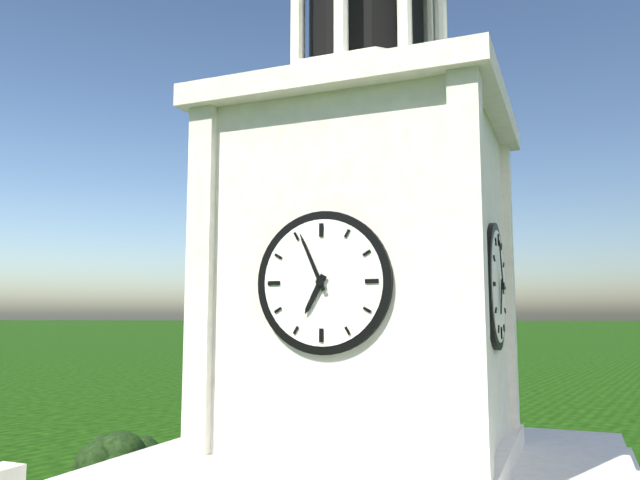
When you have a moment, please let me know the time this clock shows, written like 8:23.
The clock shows 6:56
